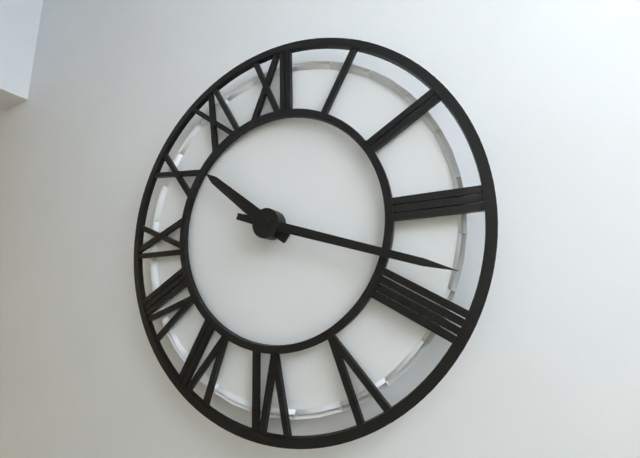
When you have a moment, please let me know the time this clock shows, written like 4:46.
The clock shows 10:18
